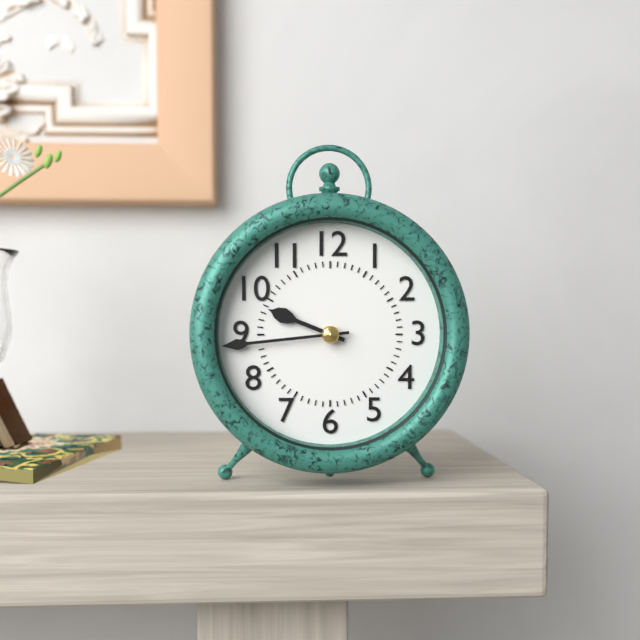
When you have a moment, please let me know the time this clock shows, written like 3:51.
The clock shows 9:44
